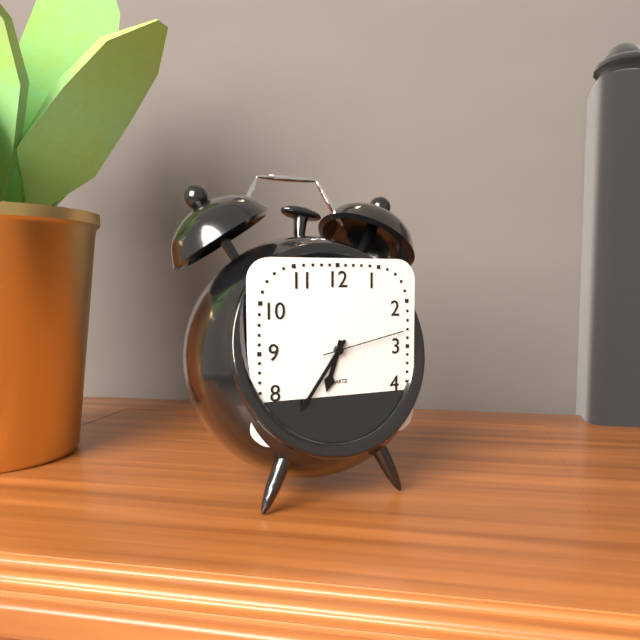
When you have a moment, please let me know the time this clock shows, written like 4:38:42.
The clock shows 6:36:13
